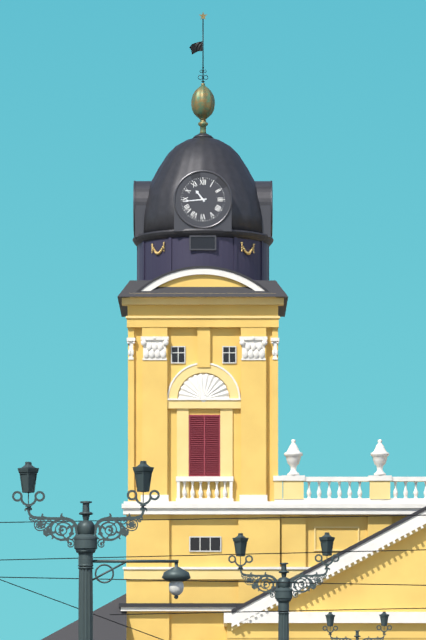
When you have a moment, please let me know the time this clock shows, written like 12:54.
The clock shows 10:44
